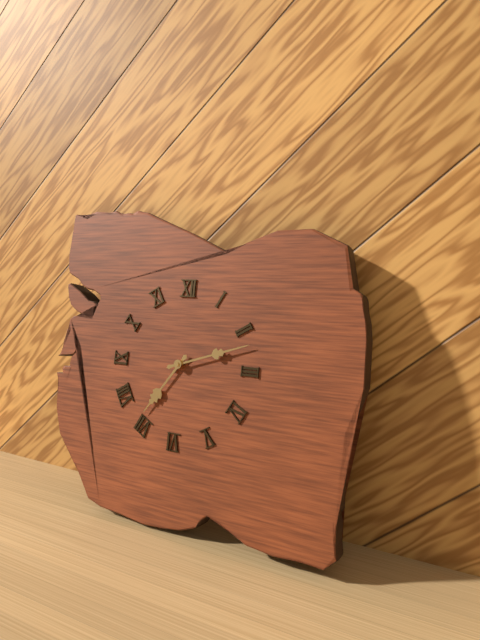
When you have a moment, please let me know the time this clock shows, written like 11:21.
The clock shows 7:12
